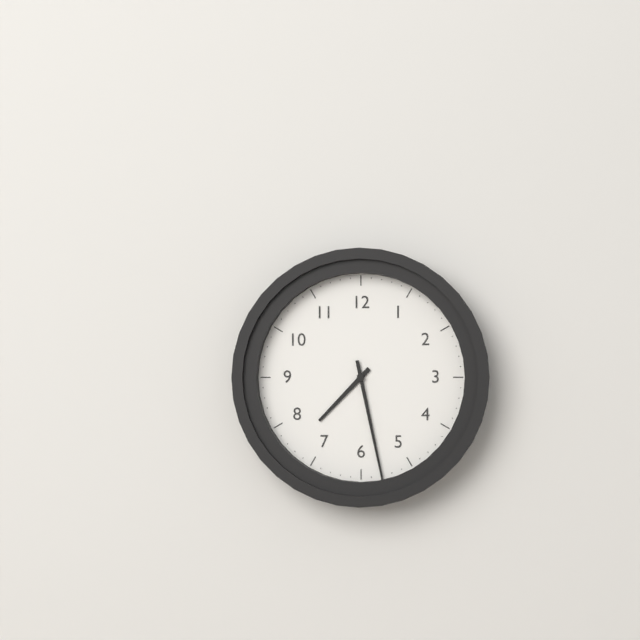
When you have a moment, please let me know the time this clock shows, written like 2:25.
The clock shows 7:28
